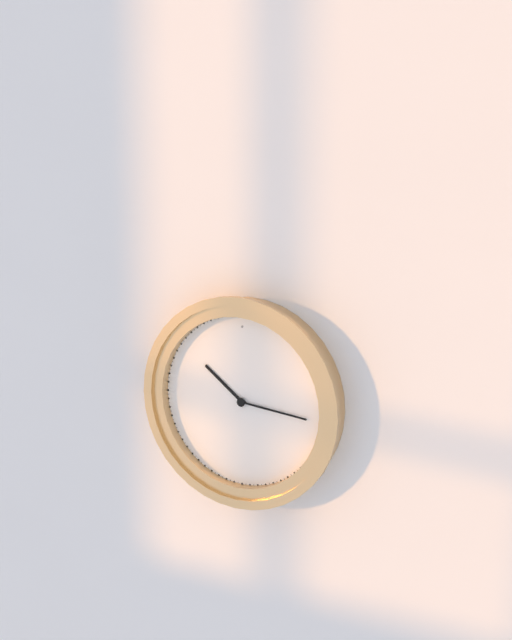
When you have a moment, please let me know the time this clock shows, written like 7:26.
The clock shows 10:16
